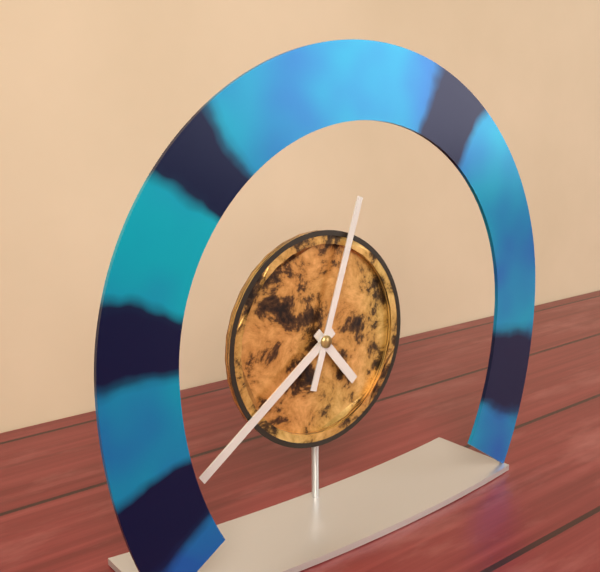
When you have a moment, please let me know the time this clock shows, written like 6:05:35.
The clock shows 4:39:03
